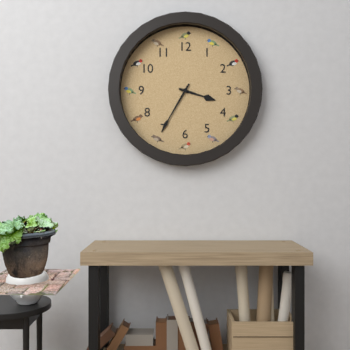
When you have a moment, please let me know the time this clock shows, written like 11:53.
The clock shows 3:35
